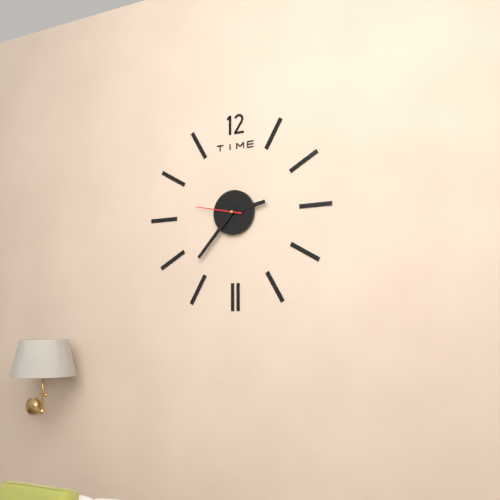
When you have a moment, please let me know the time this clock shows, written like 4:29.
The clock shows 2:37
